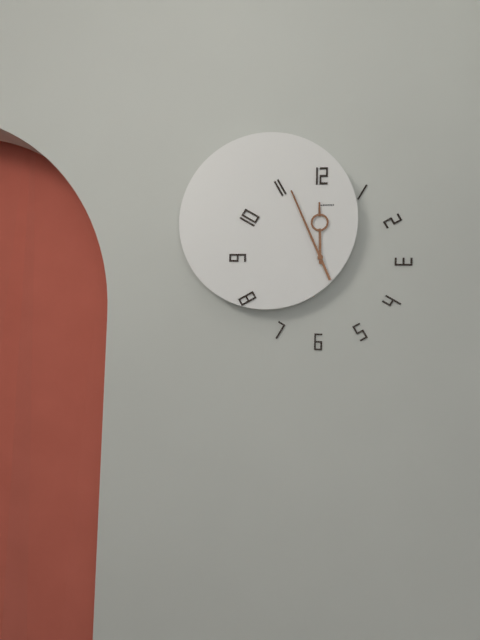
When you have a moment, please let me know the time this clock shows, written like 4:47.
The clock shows 11:56
